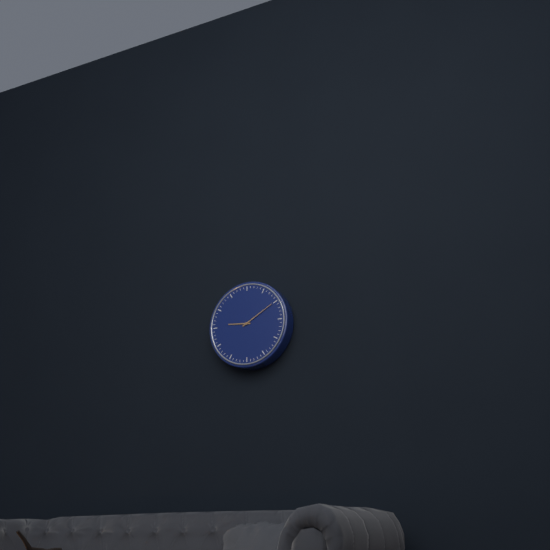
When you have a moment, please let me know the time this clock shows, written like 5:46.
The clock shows 9:10
